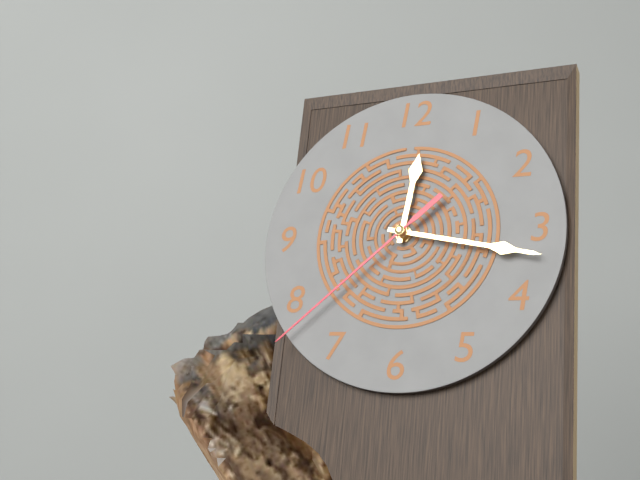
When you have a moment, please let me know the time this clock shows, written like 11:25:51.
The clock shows 12:17:38
